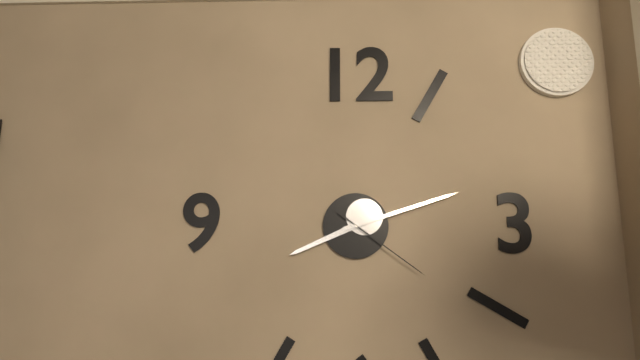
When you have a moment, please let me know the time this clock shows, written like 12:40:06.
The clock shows 8:12:21
